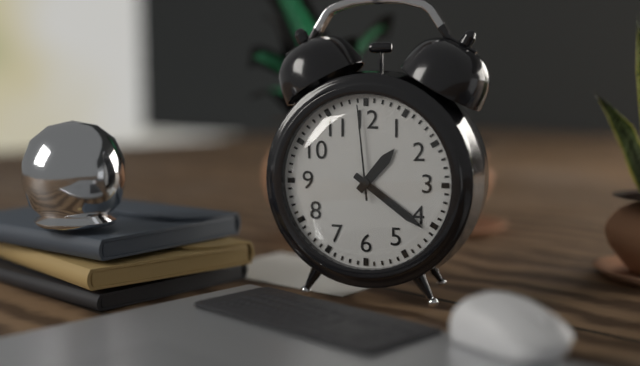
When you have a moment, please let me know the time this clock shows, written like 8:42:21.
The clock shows 1:21:59
